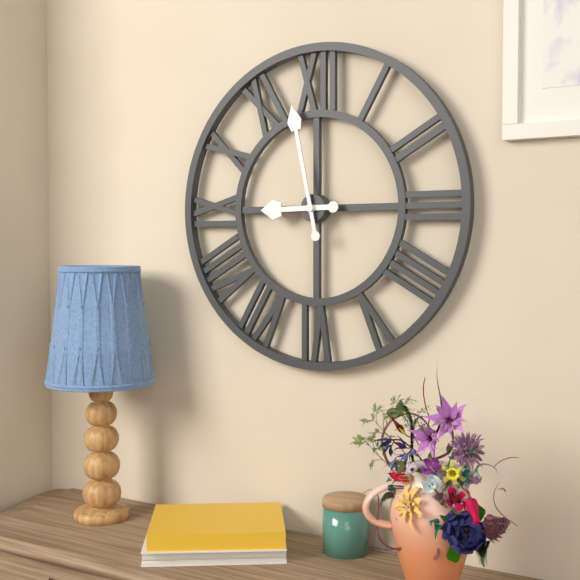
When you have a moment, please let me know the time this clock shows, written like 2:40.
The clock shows 8:58
